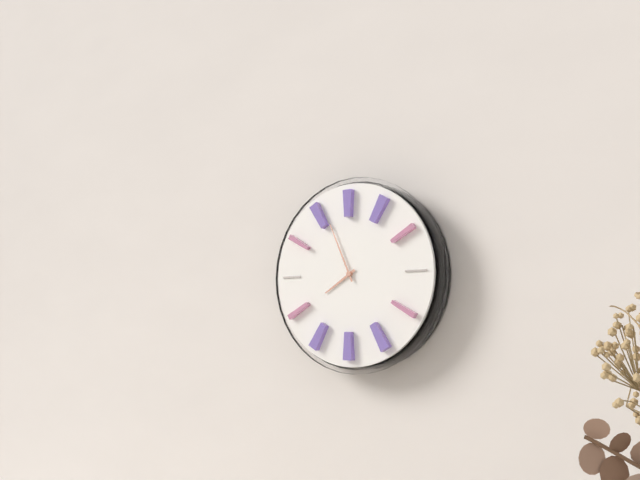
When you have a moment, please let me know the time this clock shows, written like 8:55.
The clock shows 7:56
